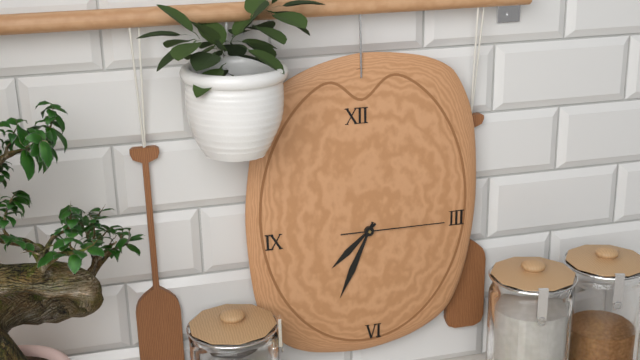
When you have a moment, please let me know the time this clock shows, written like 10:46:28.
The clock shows 7:34:15
